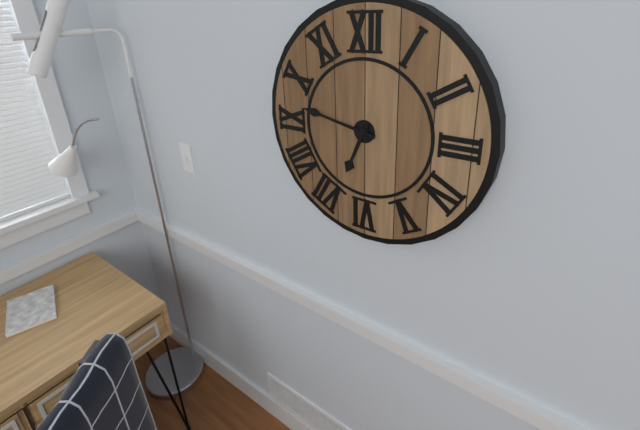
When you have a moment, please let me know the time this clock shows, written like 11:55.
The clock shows 6:47
